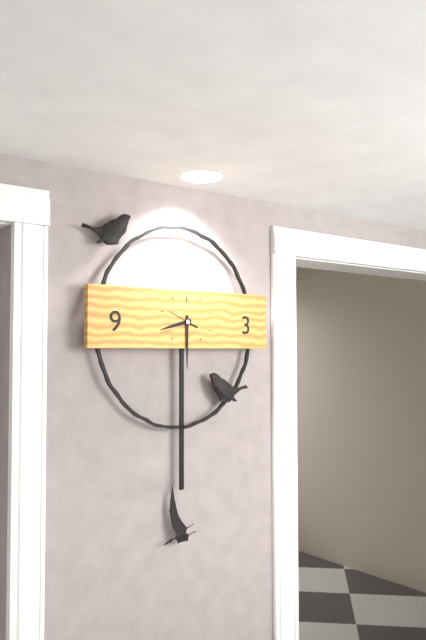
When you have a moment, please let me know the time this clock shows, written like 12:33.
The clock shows 8:30
